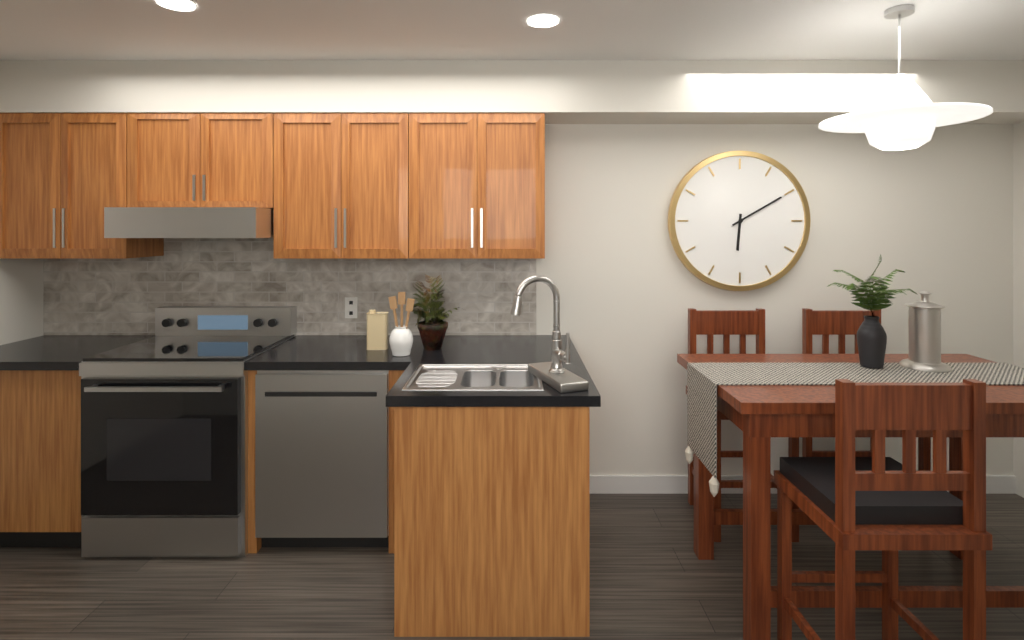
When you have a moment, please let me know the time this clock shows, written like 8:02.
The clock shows 6:10
